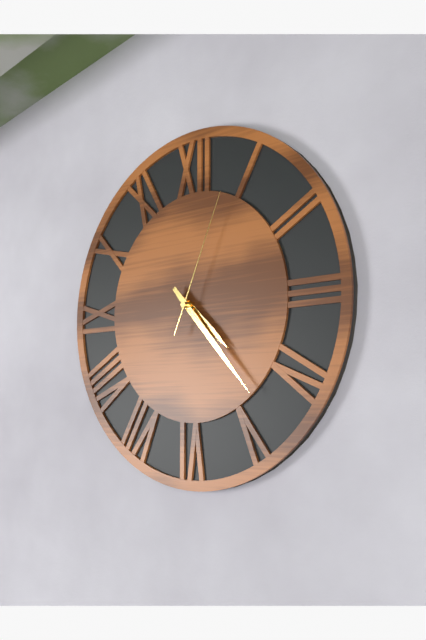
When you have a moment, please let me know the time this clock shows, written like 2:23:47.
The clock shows 4:23:04
